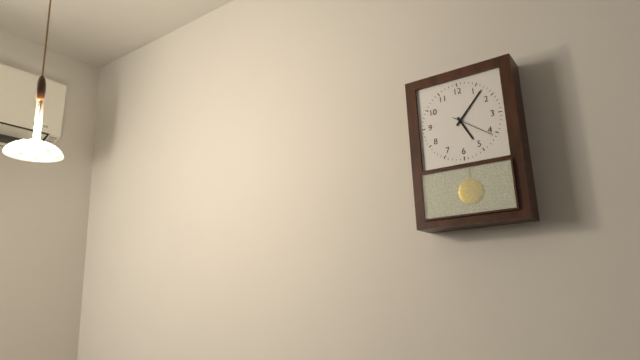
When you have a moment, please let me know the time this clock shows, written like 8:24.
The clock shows 5:07
